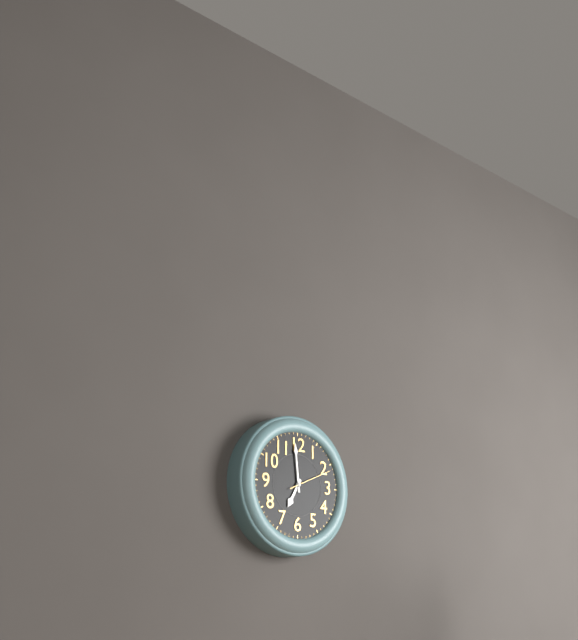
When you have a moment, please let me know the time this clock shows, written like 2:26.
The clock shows 6:59
